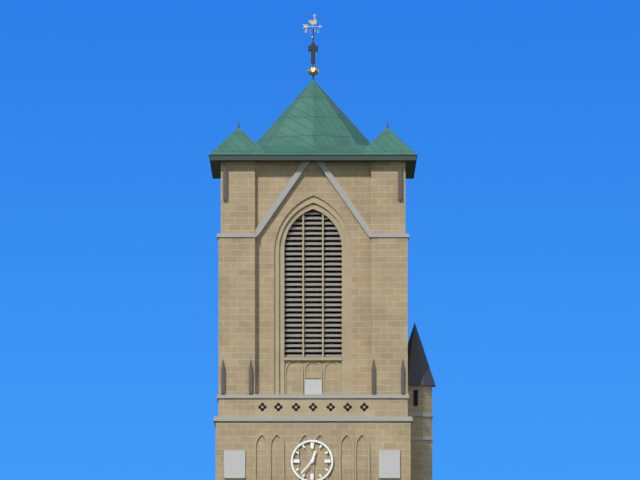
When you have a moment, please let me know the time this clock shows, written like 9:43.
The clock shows 12:37
